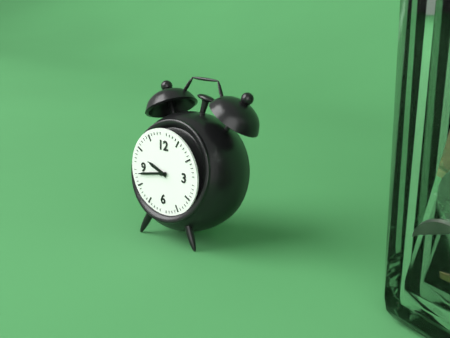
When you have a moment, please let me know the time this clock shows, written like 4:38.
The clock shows 9:43
